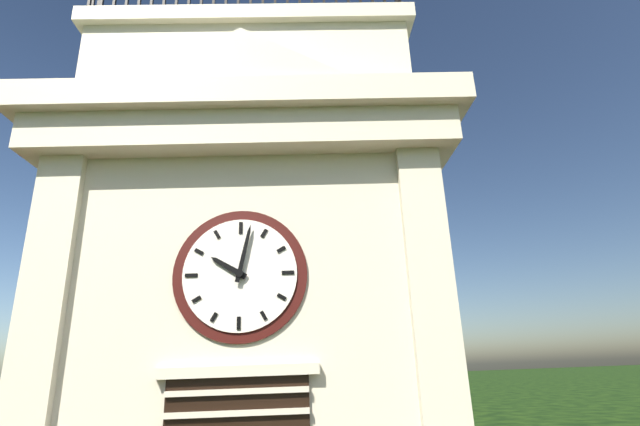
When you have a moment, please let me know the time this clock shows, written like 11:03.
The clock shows 10:02
